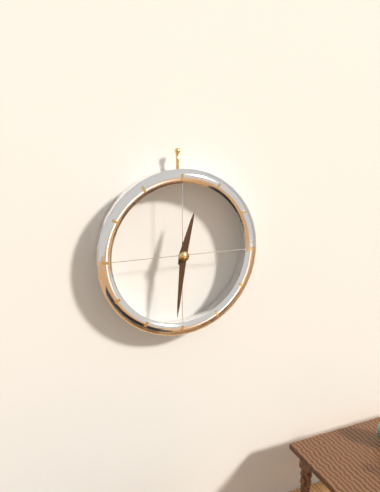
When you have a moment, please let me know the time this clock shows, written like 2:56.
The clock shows 12:31
